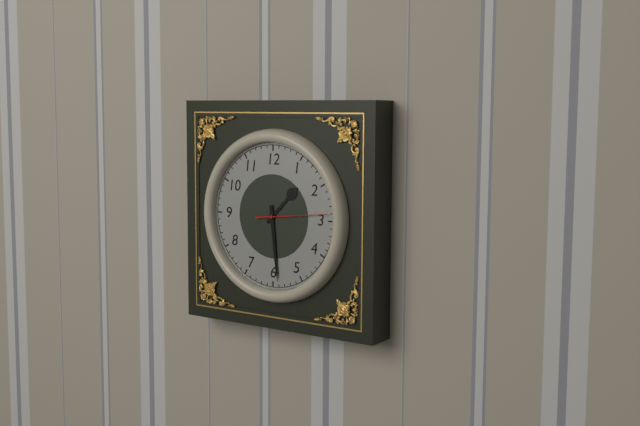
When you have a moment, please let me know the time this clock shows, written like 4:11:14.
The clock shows 1:29:14
